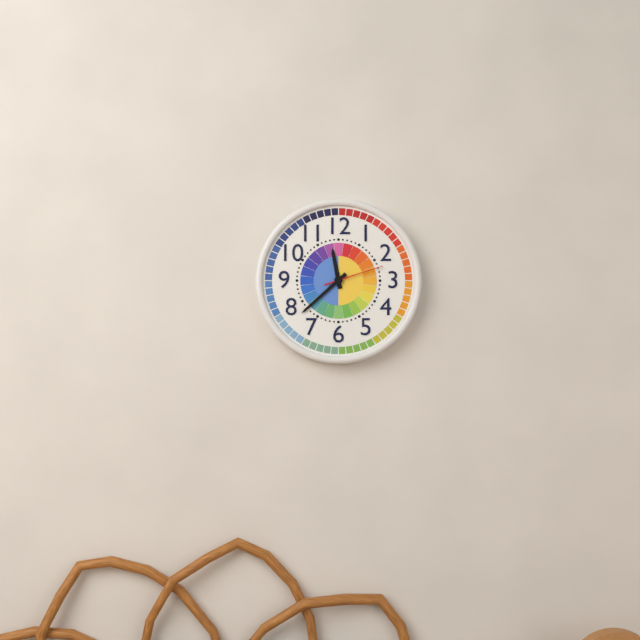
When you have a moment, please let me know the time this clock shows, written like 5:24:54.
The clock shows 11:38:12
